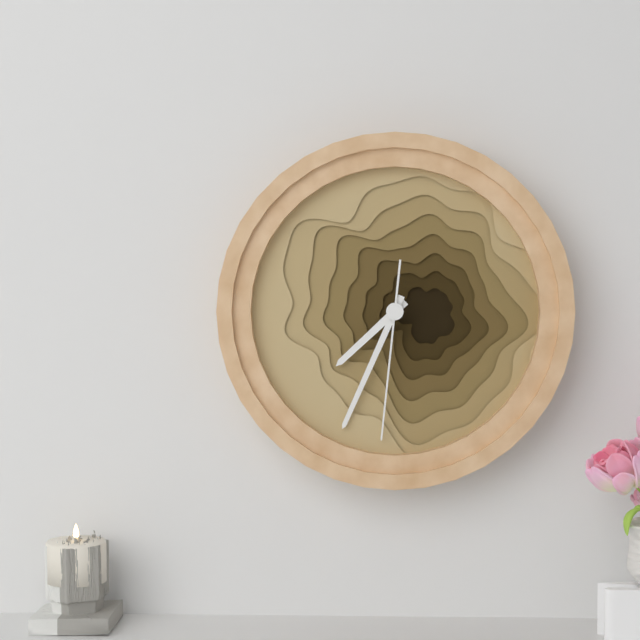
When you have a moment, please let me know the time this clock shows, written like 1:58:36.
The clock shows 7:34:31
